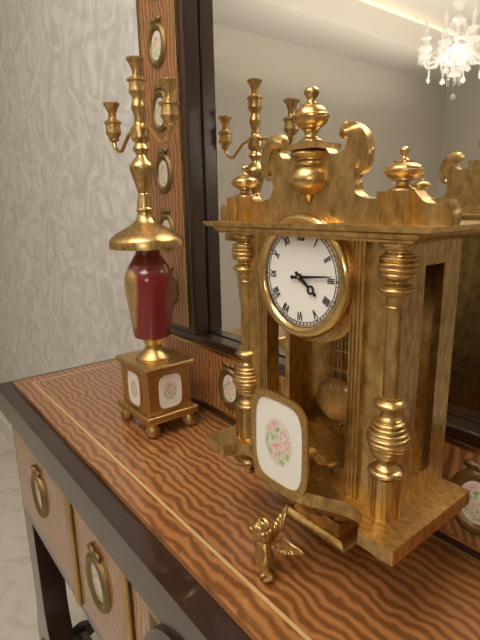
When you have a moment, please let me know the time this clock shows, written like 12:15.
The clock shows 4:14
